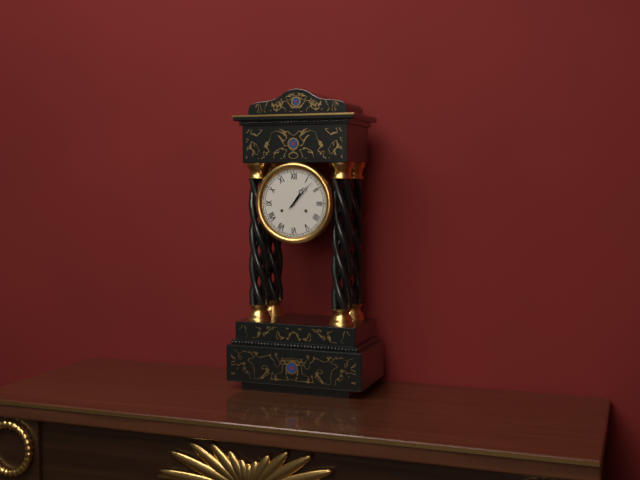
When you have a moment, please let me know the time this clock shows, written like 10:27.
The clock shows 1:07
